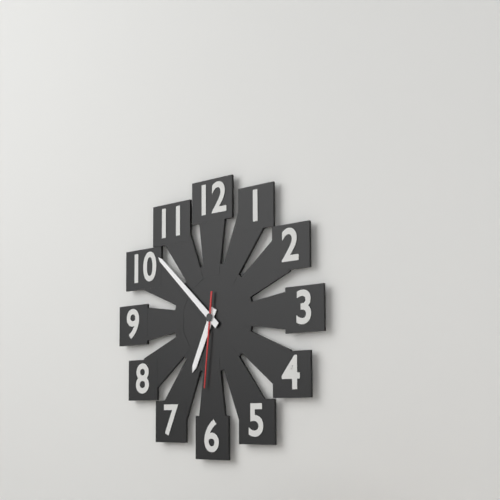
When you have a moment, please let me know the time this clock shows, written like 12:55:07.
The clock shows 6:52:31
